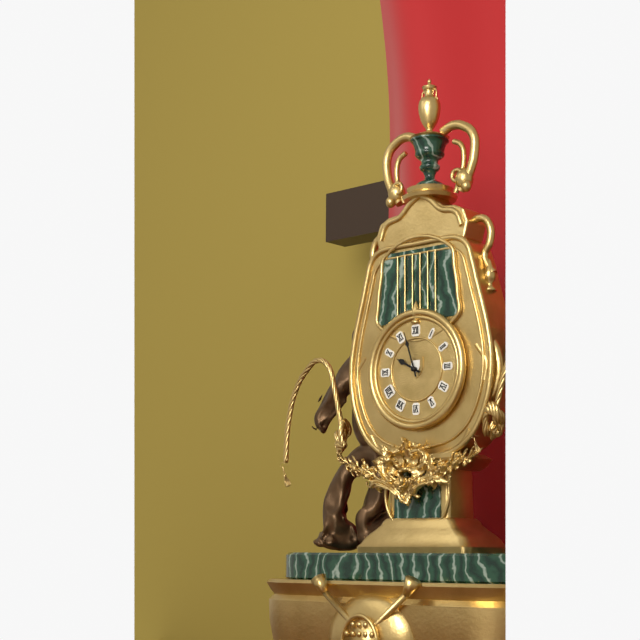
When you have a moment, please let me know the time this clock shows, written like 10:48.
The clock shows 9:57
